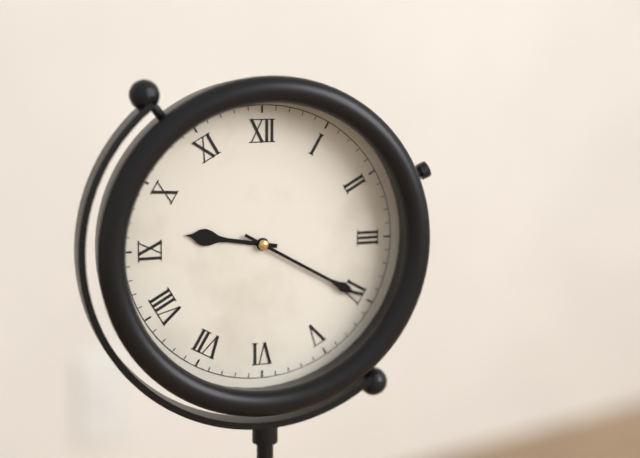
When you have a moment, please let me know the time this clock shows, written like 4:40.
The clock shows 9:20
